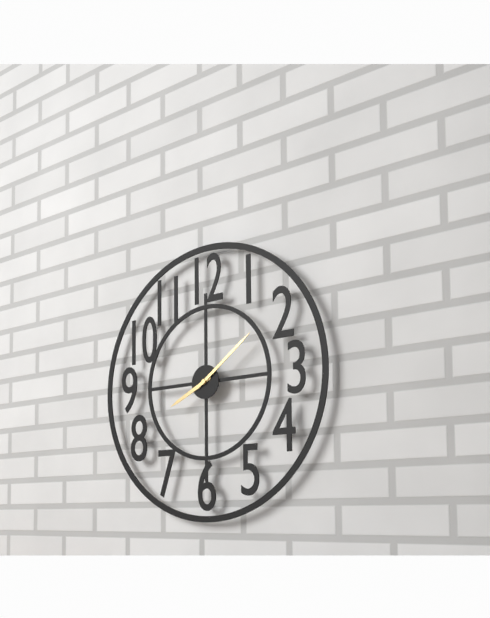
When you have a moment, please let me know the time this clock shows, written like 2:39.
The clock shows 8:09
